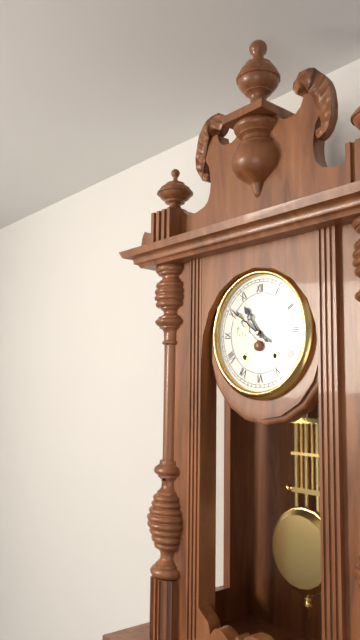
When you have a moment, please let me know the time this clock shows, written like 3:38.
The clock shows 10:51
